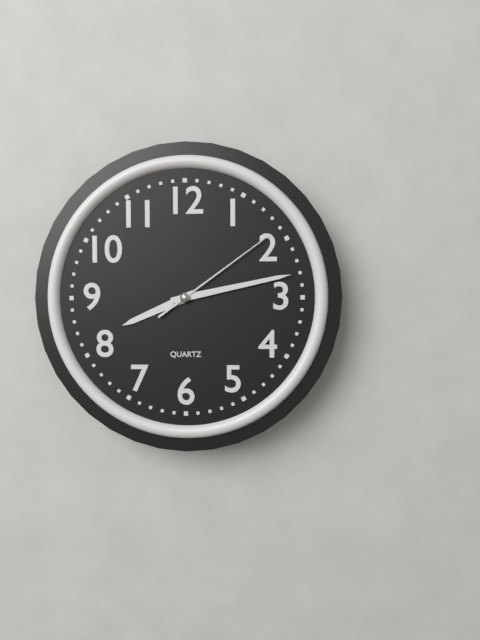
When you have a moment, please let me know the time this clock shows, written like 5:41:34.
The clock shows 8:13:09
